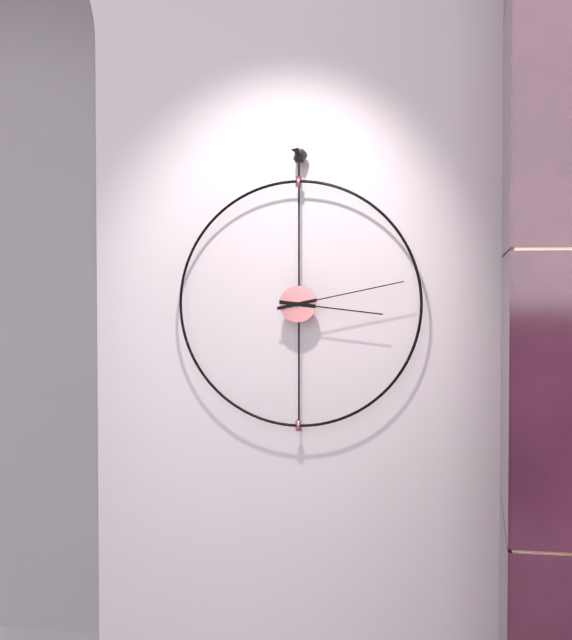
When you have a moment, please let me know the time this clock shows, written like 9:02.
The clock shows 3:13
